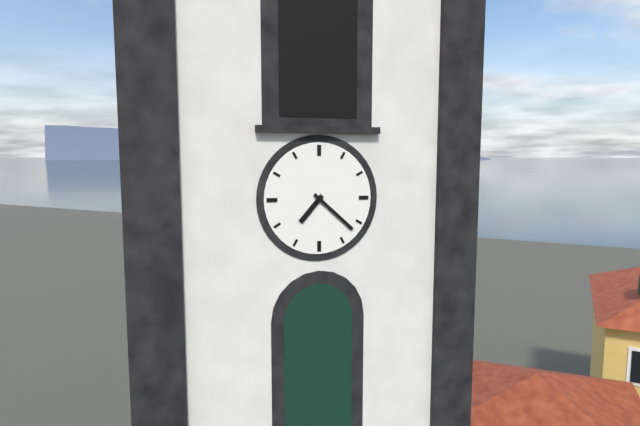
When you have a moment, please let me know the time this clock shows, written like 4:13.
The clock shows 7:22
